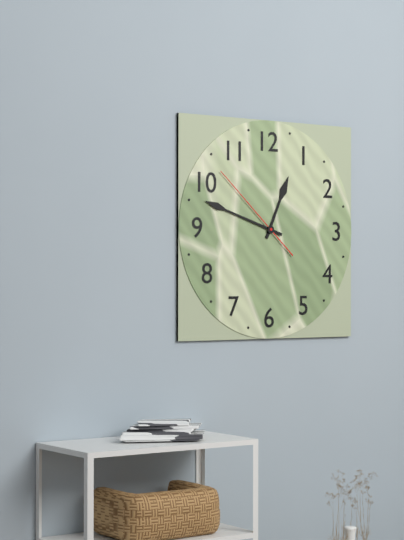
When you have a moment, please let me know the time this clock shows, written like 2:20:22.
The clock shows 12:48:52
